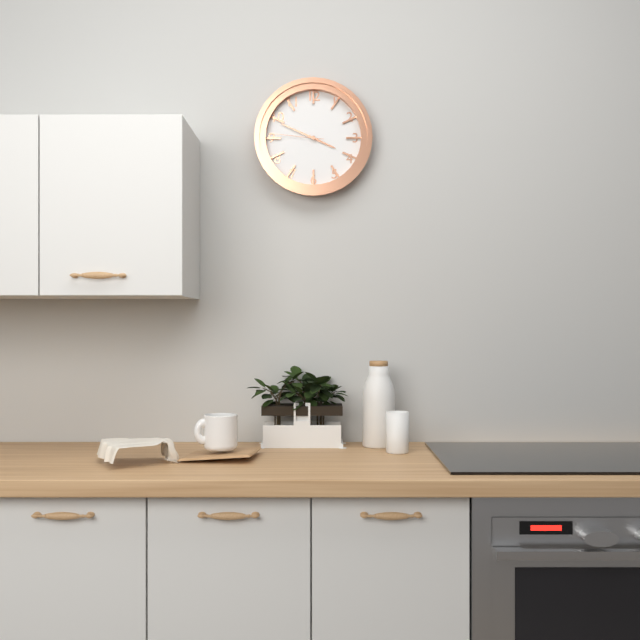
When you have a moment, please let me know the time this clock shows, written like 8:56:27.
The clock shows 3:49:46
